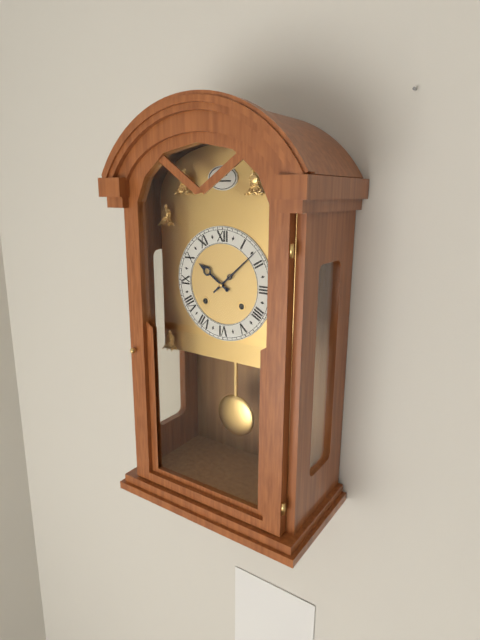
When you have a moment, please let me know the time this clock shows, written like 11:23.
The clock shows 10:08
